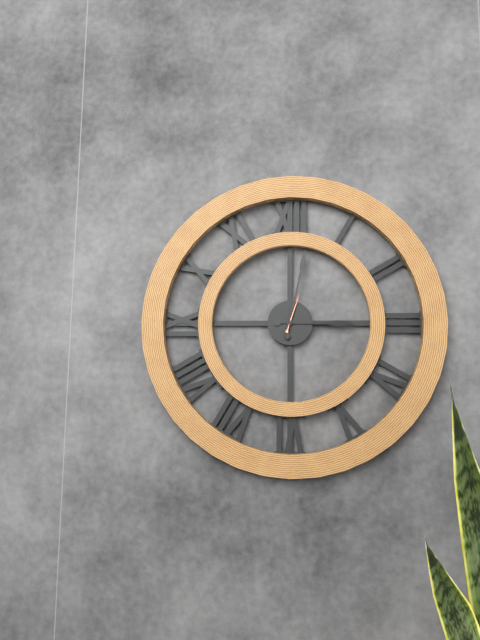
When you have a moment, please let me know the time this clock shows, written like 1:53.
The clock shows 3:02
